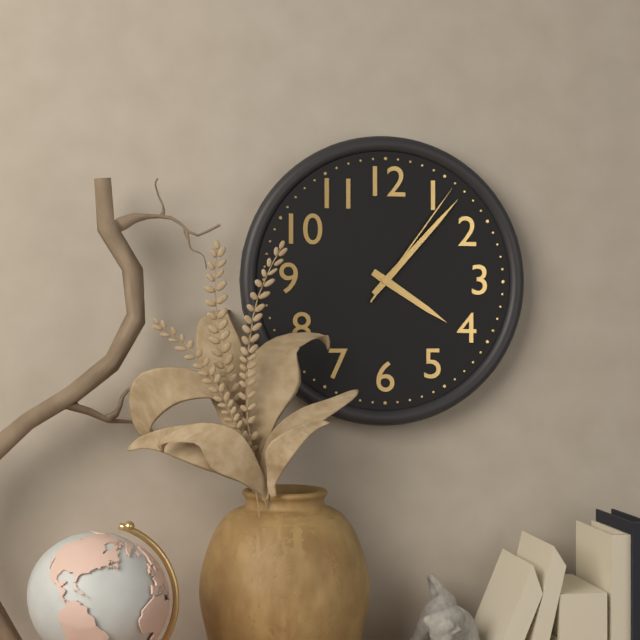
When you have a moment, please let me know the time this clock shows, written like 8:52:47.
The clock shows 4:07:06
